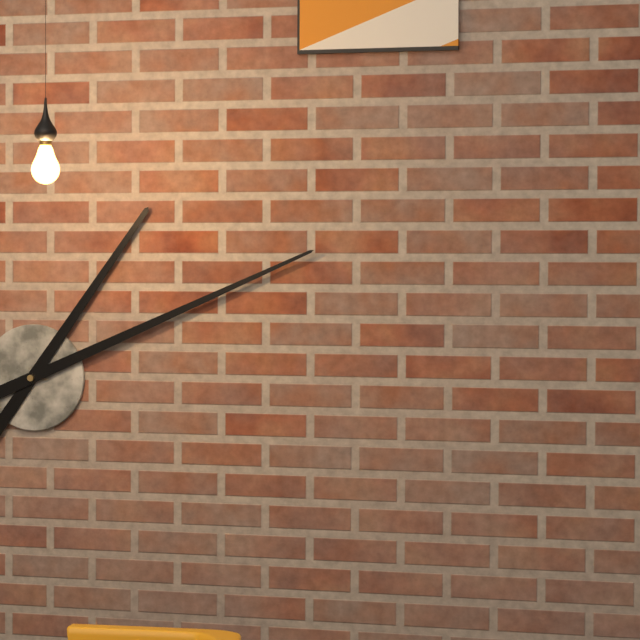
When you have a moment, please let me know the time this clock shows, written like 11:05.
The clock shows 1:11
